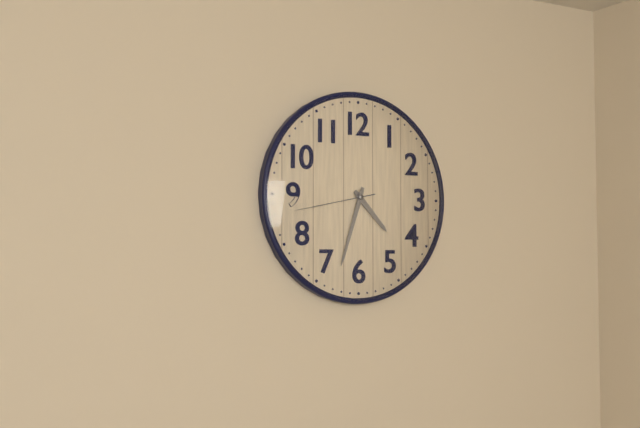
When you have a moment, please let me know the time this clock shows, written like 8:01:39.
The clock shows 4:33:43
